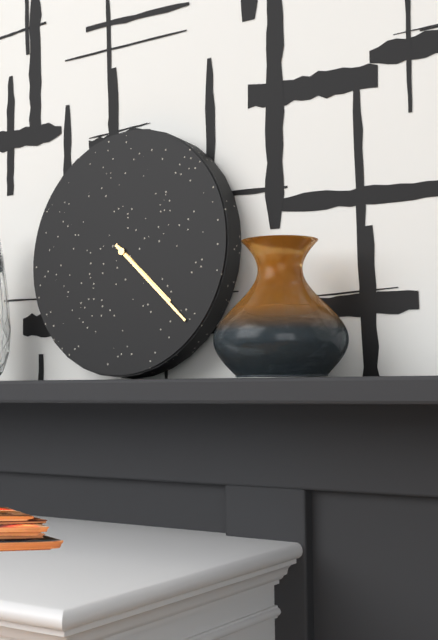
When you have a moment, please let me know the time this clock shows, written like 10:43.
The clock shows 4:22
